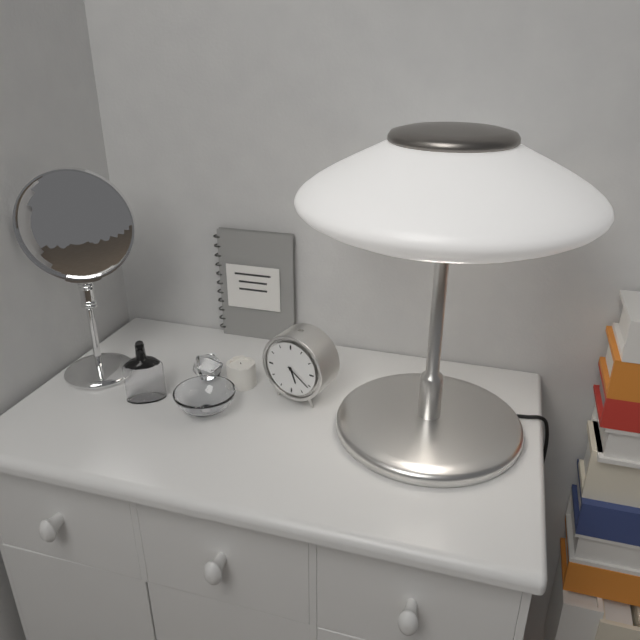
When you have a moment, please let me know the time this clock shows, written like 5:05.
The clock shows 5:21
